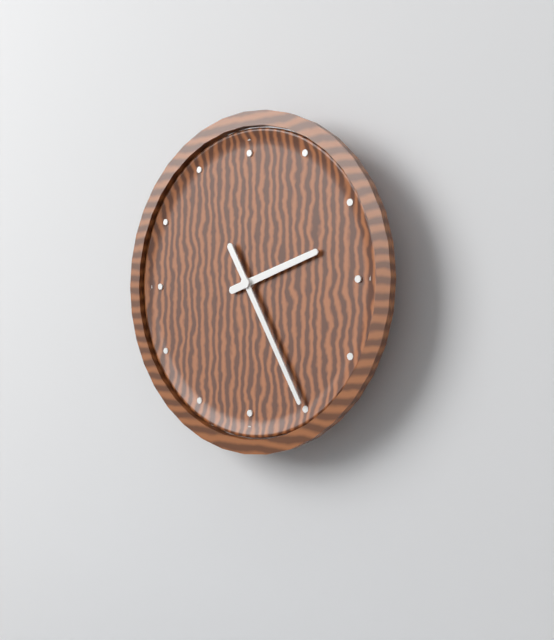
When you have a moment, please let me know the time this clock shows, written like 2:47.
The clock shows 2:25
